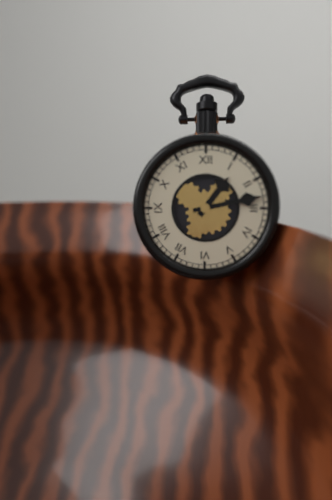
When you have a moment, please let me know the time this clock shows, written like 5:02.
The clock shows 1:13
